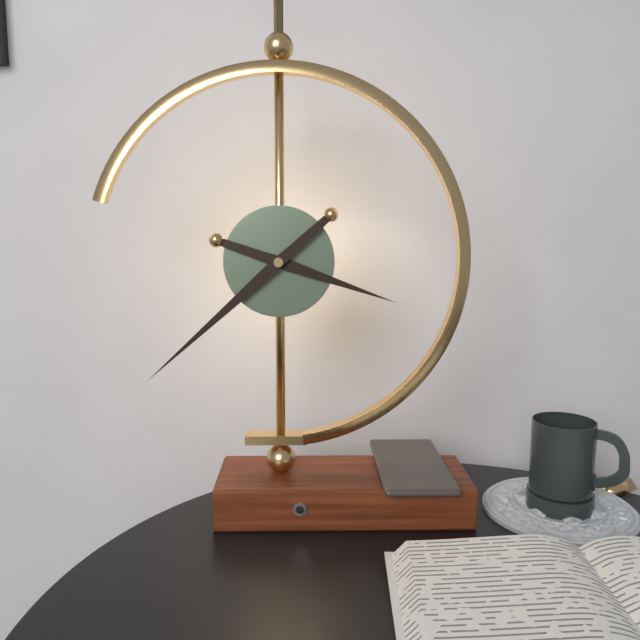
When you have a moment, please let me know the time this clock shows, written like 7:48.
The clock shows 3:38
